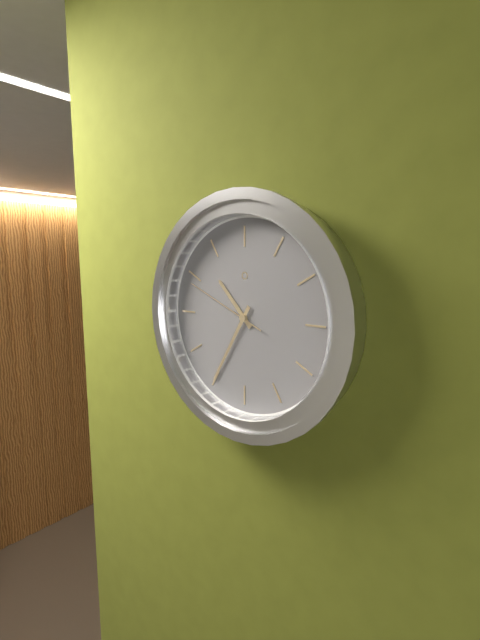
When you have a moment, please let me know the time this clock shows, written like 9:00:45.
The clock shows 10:35:49
